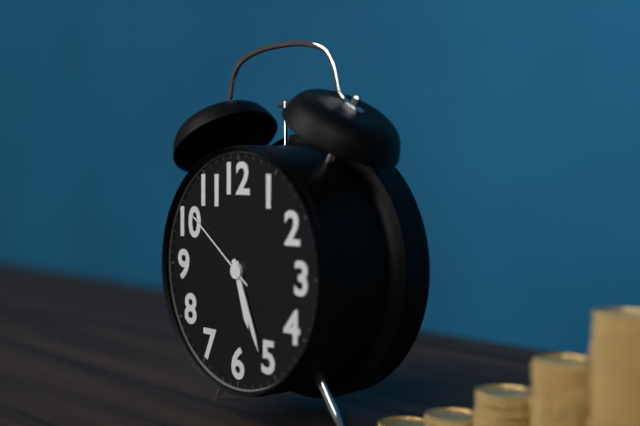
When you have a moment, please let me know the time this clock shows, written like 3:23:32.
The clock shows 5:26:51
